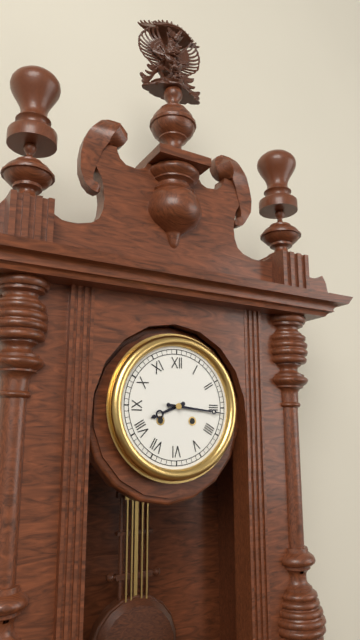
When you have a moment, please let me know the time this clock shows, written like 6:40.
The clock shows 8:16
